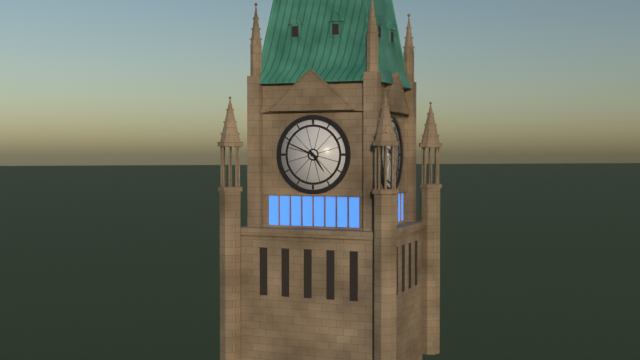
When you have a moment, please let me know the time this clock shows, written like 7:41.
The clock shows 4:49
